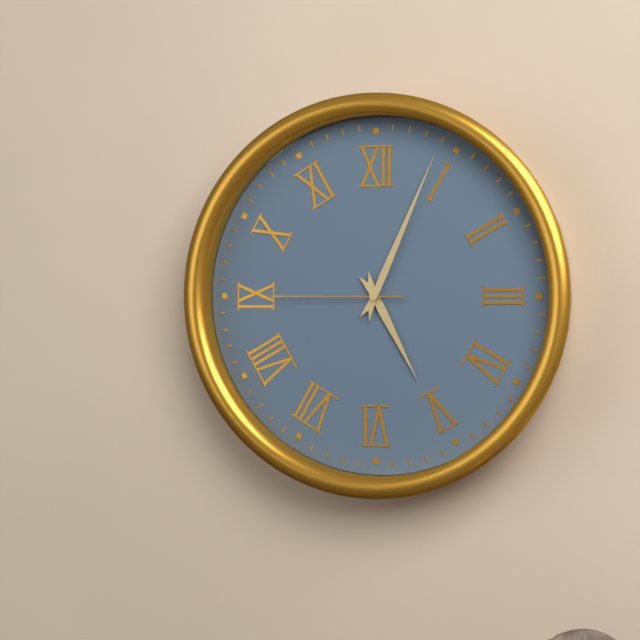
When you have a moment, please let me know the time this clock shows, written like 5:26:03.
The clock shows 5:04:45
